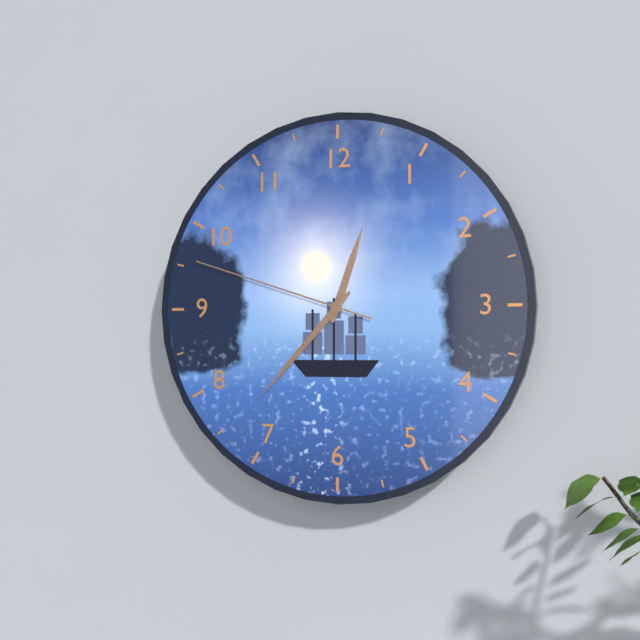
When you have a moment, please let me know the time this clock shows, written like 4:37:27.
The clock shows 12:37:48
